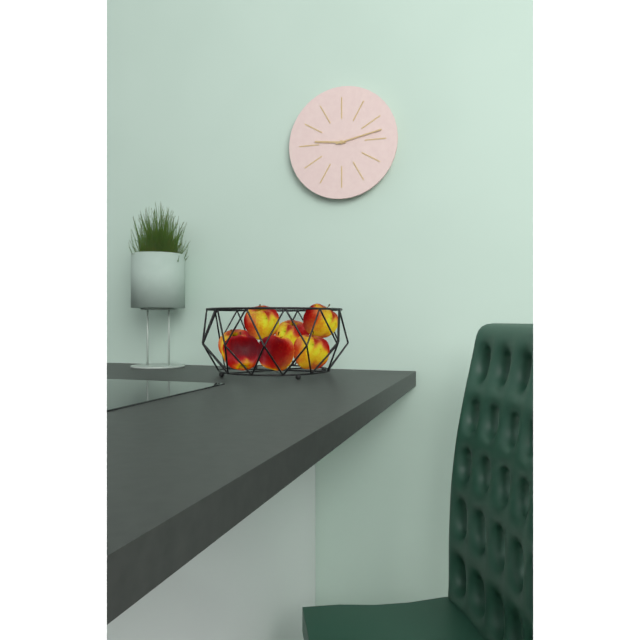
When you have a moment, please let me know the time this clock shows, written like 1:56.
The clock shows 9:13
